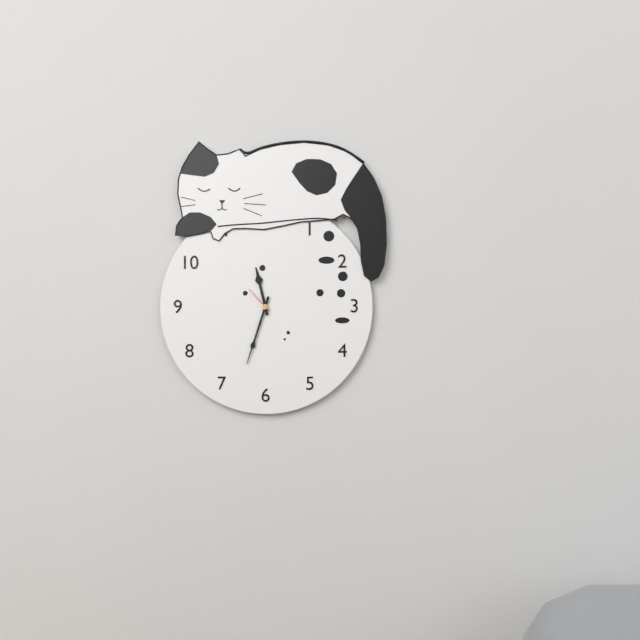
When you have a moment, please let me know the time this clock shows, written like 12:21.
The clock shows 11:33
